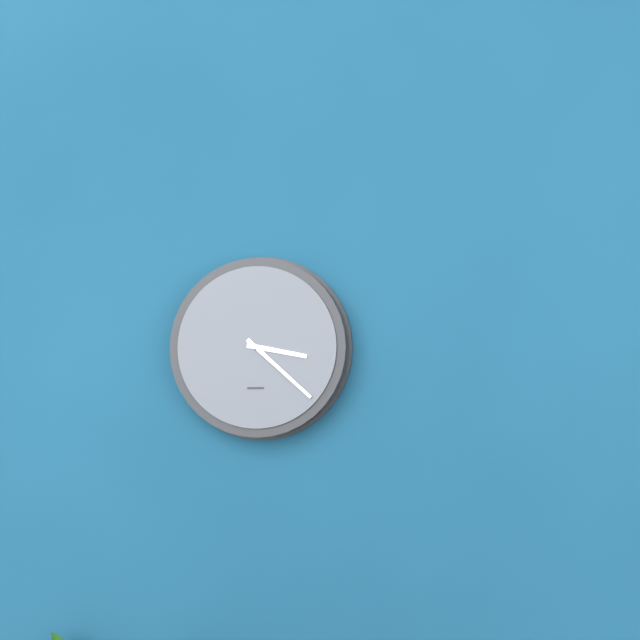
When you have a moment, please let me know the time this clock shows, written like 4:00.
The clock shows 3:22
